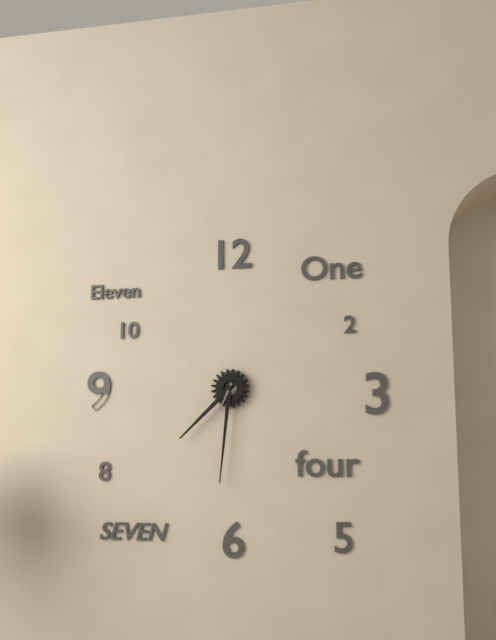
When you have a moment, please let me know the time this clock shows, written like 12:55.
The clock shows 7:31
